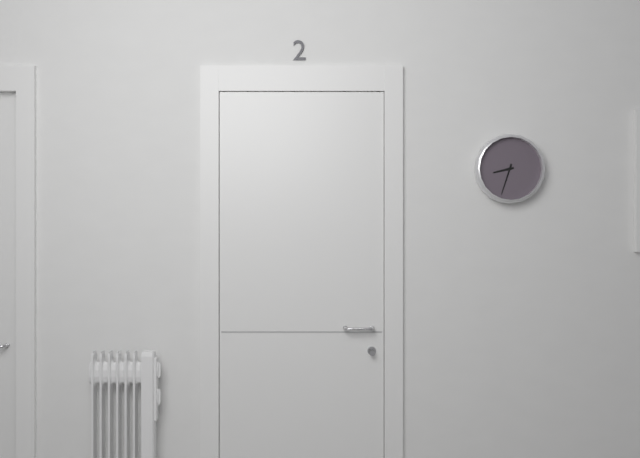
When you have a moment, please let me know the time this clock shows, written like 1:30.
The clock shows 8:33
